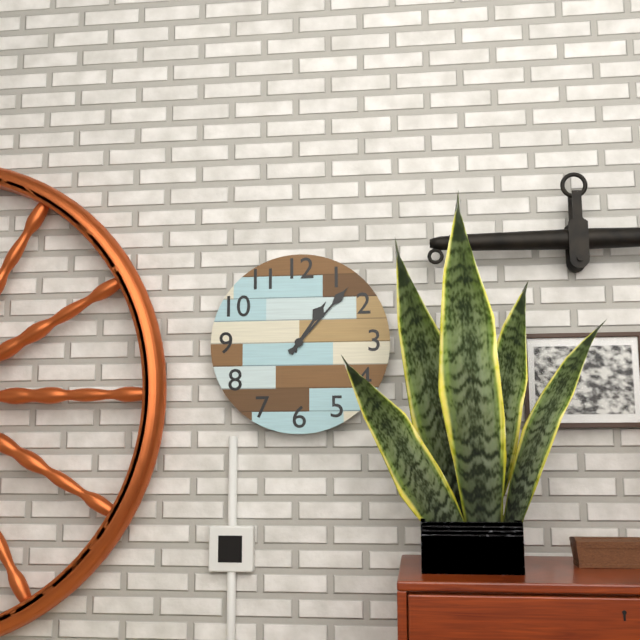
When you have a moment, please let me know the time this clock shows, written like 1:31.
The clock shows 1:07
